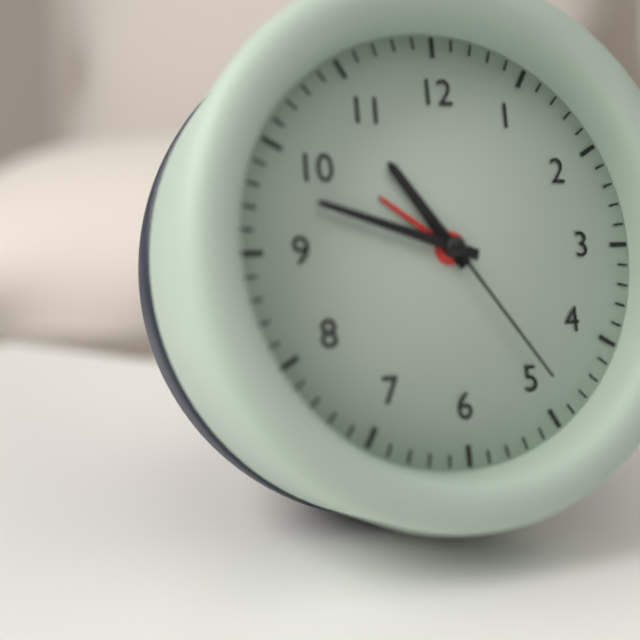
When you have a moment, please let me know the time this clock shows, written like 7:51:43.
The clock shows 10:48:24
